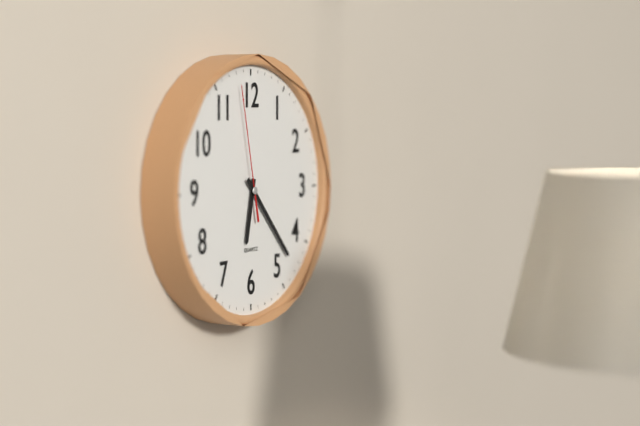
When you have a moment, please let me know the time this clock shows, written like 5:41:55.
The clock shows 6:23:58
